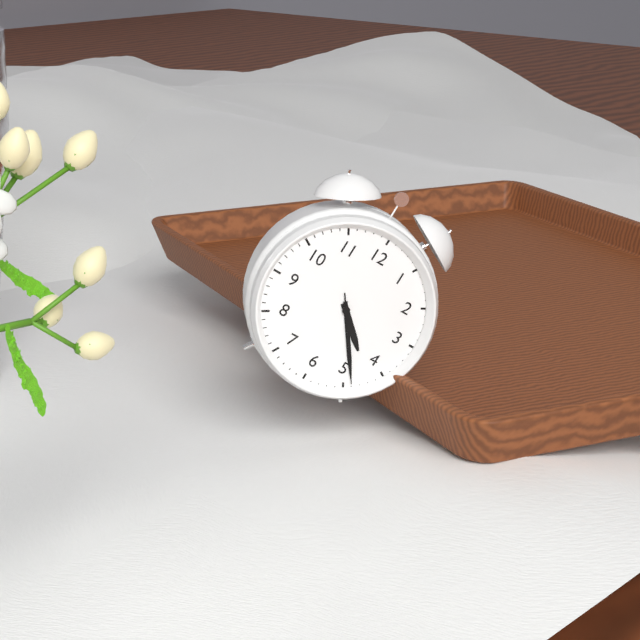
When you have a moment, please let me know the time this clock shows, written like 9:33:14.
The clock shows 4:24:24
